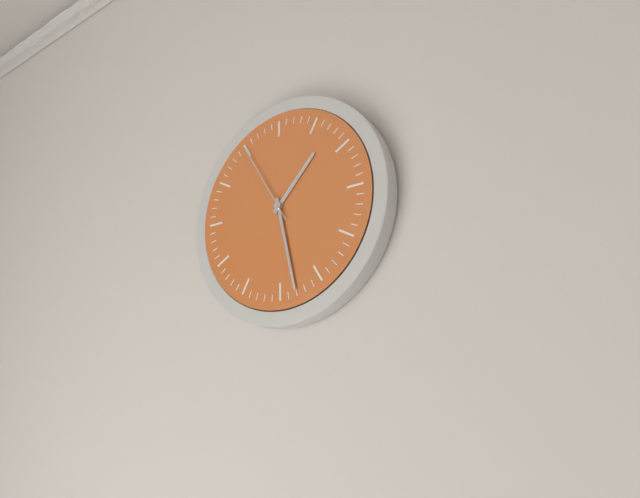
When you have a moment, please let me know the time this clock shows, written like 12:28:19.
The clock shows 1:28:55
